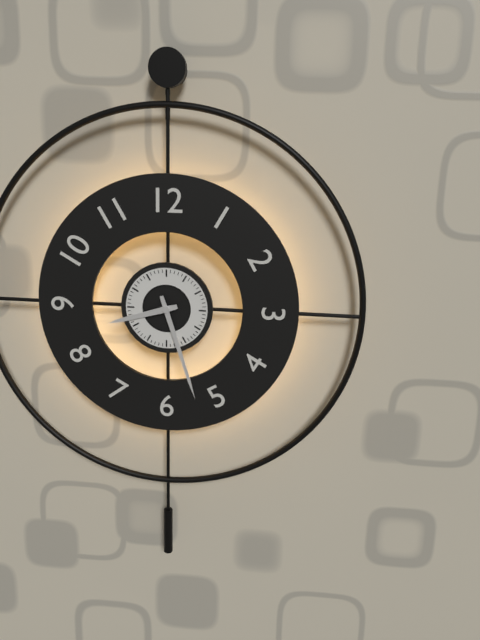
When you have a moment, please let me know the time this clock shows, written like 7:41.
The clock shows 8:27
